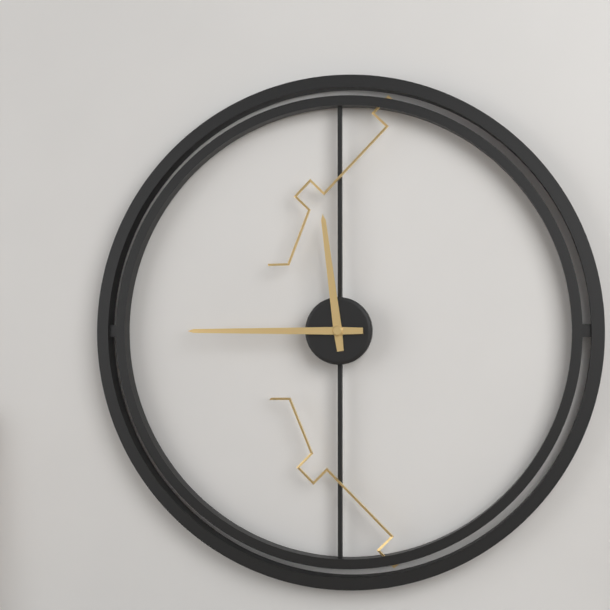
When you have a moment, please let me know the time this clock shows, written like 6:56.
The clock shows 11:45
